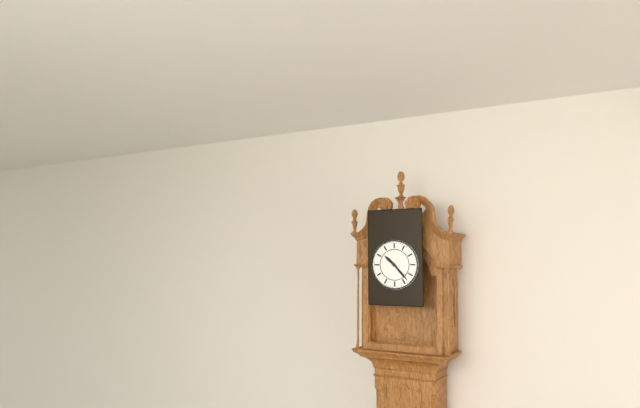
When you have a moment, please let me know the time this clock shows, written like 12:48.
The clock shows 10:23
